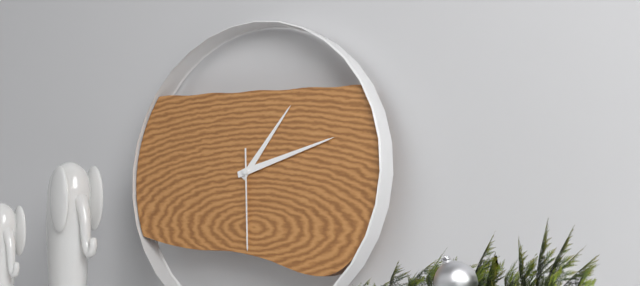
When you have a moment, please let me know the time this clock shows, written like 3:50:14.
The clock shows 1:12:29
